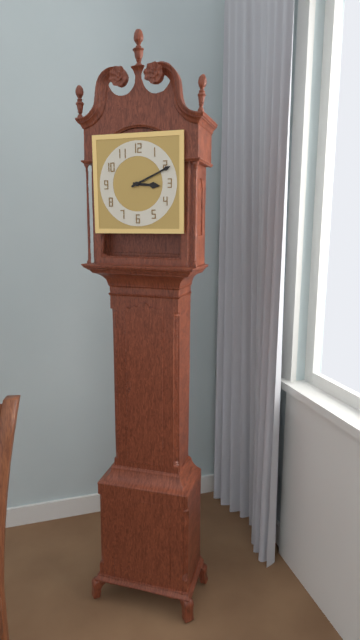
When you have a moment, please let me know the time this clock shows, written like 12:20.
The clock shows 3:11
